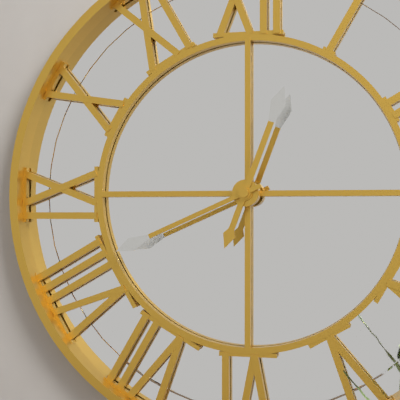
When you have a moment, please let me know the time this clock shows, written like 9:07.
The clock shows 12:41
